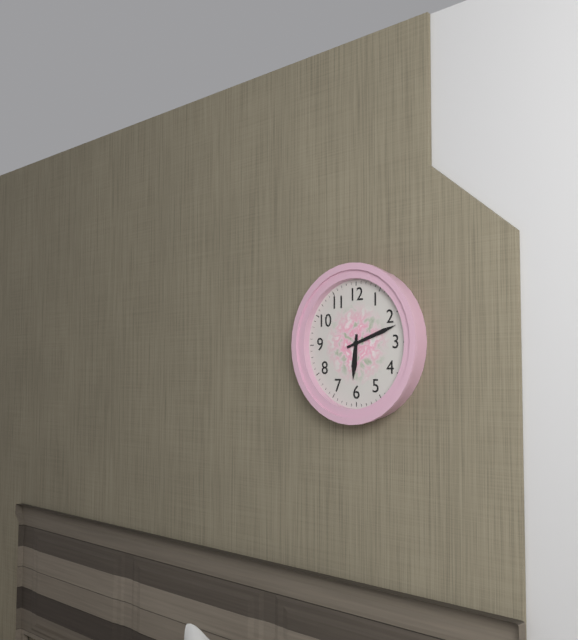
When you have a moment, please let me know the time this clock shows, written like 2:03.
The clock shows 6:12
